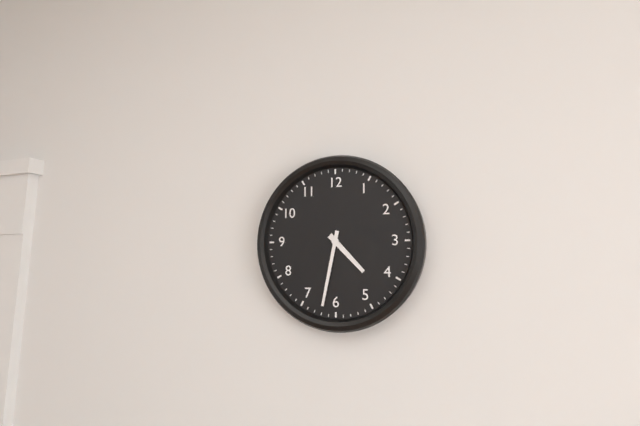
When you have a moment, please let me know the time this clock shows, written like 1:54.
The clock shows 4:32
